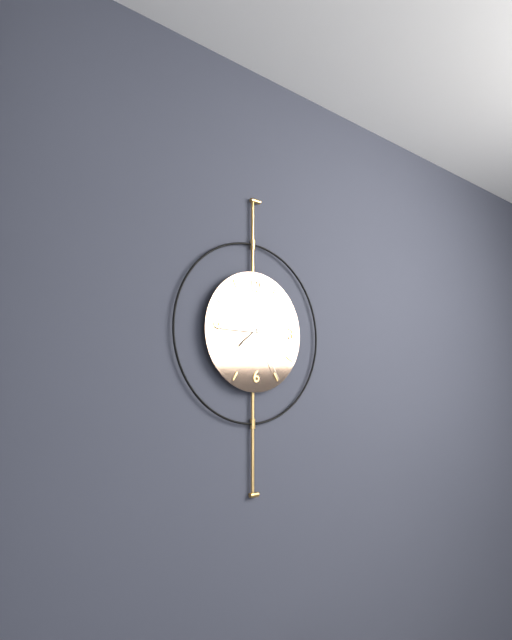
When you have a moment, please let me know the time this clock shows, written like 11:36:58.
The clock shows 7:45:25
